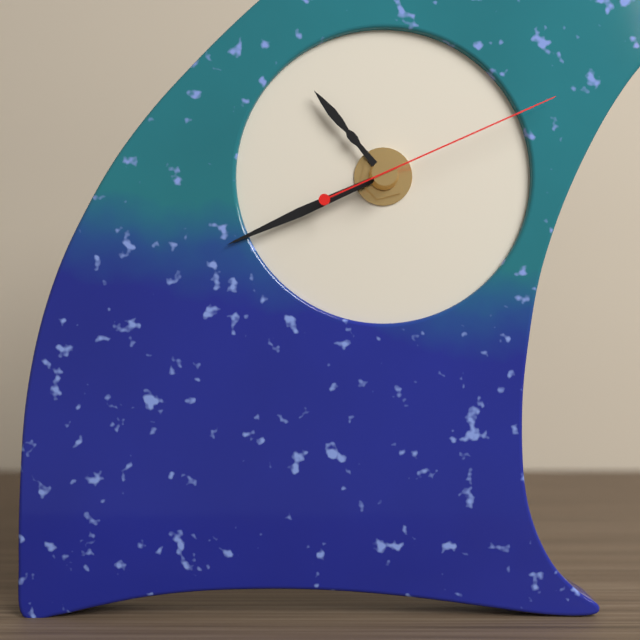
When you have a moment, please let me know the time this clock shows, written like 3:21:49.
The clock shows 10:41:11
